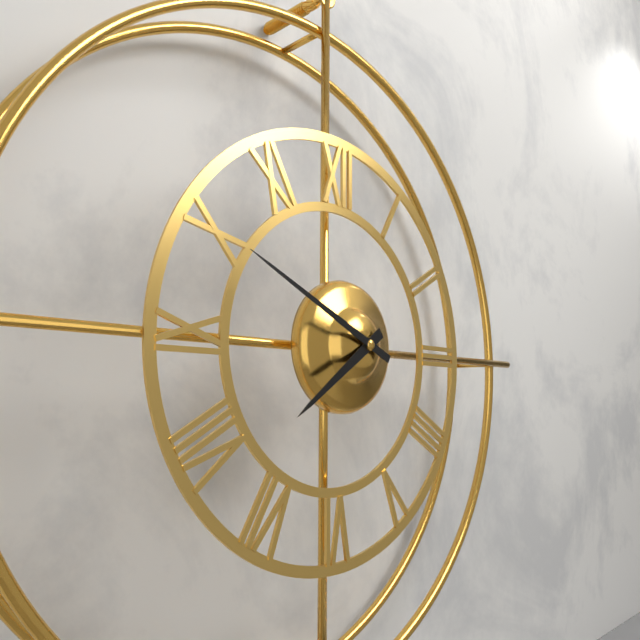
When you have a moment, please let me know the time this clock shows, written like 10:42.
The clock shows 7:49
